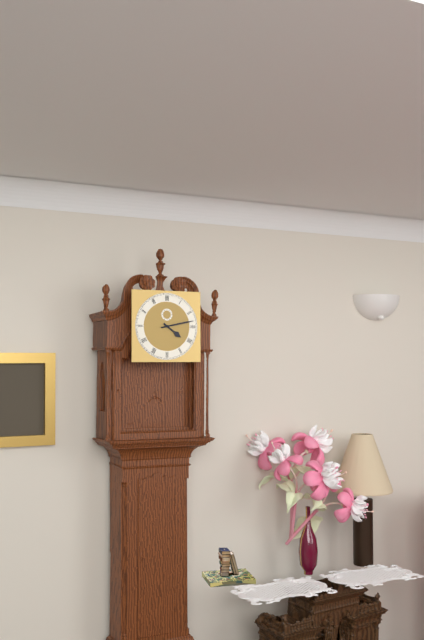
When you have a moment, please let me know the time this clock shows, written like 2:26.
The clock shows 4:13
